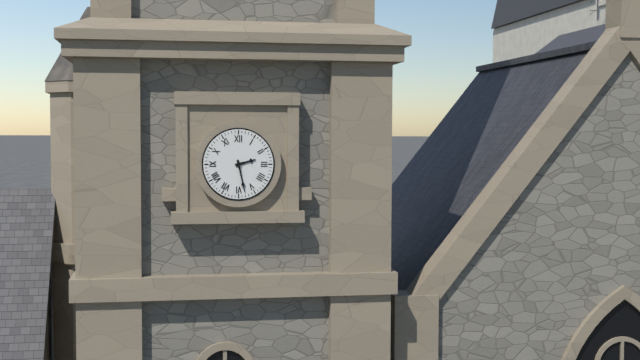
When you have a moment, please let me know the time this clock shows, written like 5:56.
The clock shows 2:28
